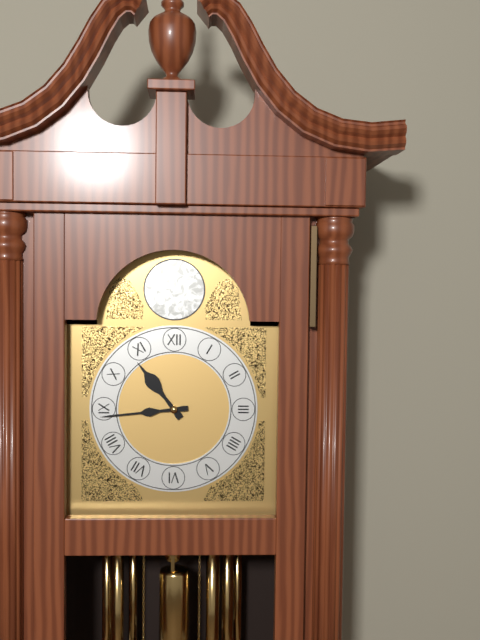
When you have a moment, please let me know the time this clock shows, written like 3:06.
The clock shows 10:44
